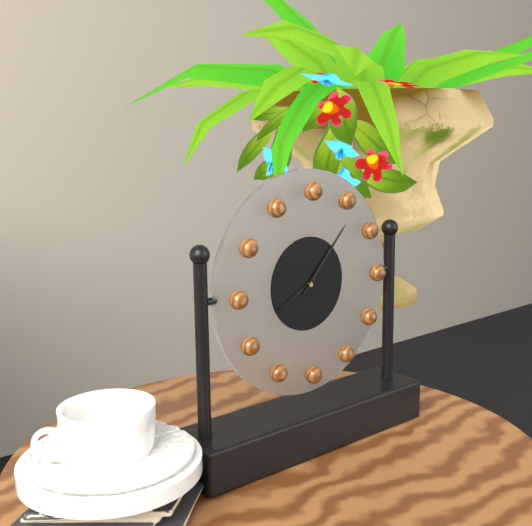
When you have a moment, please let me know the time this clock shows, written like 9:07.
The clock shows 8:07
